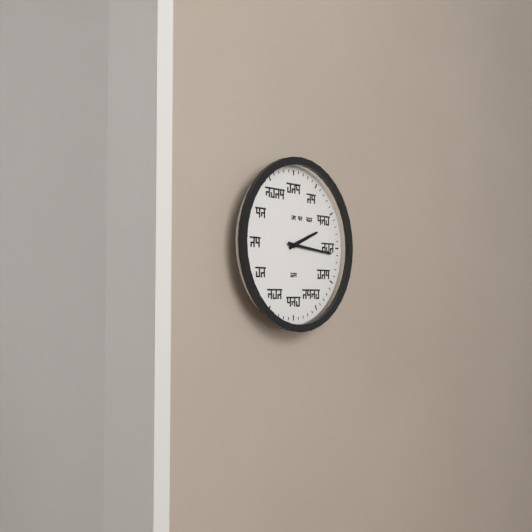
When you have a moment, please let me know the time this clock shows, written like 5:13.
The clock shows 2:16
